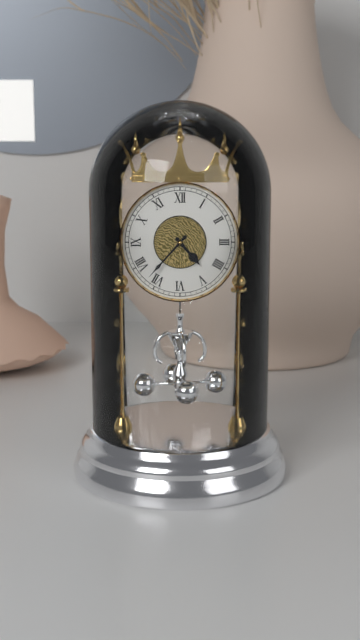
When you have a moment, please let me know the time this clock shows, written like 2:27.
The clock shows 4:37
